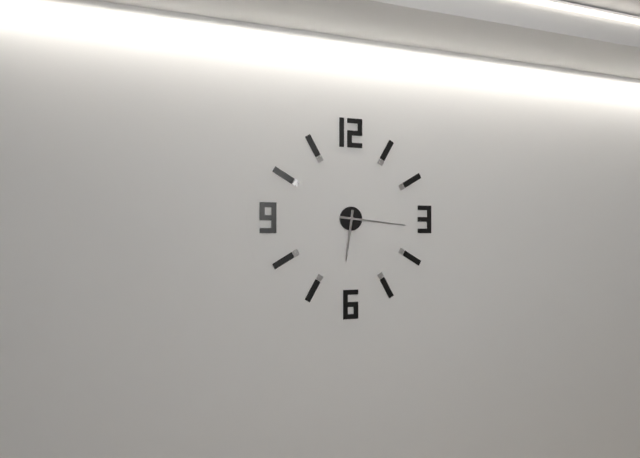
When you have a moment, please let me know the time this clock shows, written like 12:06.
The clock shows 6:16
